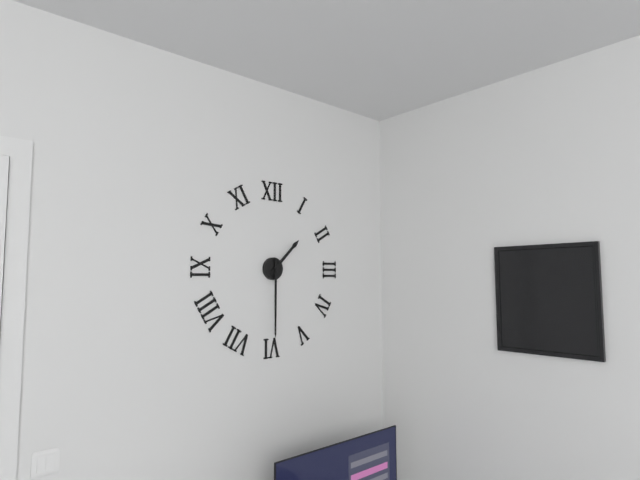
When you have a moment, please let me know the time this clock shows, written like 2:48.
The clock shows 1:30
